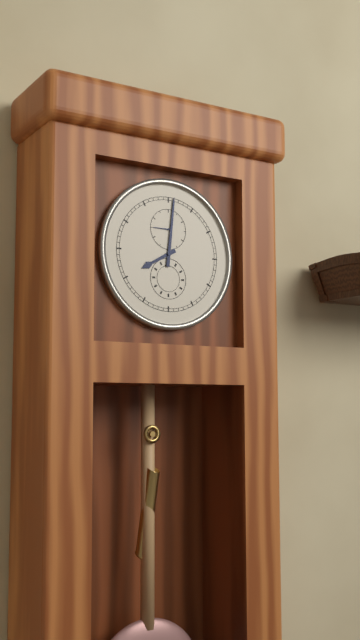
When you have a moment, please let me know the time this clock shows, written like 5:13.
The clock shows 8:01
